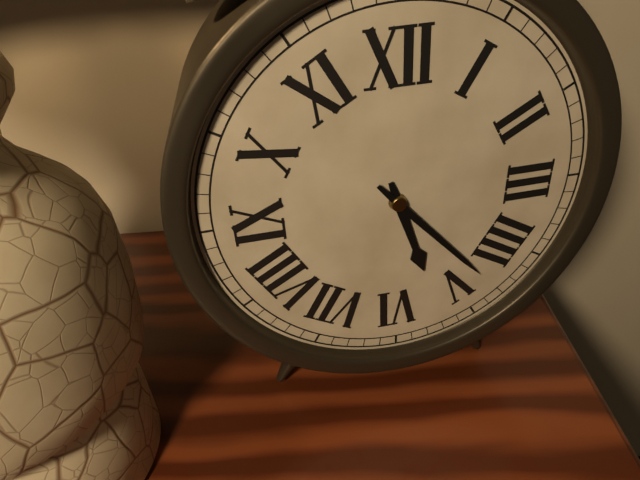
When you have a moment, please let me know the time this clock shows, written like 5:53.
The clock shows 5:23
